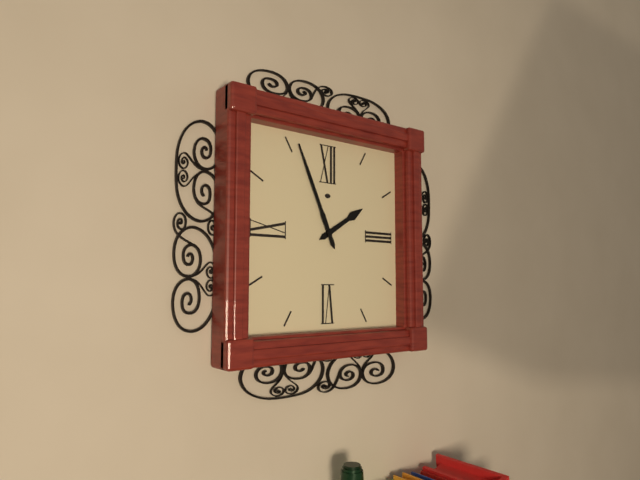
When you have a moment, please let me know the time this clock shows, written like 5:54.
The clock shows 1:56
